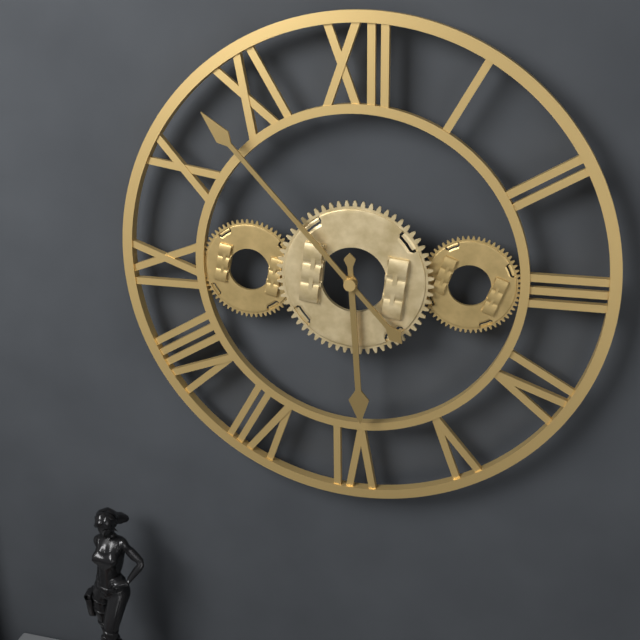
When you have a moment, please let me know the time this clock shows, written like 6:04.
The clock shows 5:53
